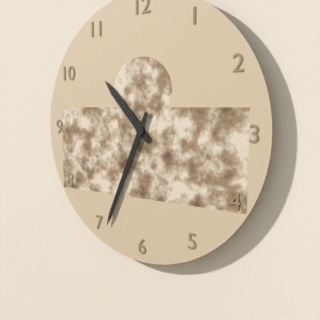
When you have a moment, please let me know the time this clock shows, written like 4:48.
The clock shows 10:34
